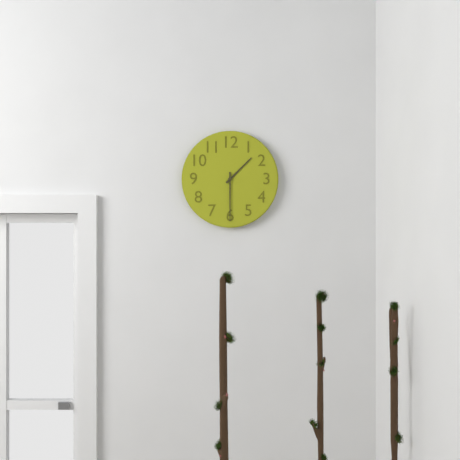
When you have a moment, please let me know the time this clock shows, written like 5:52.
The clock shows 1:30
